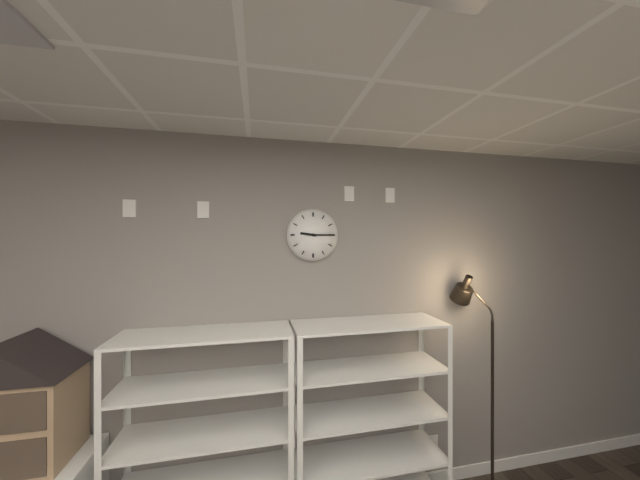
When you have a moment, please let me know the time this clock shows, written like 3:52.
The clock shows 9:15
